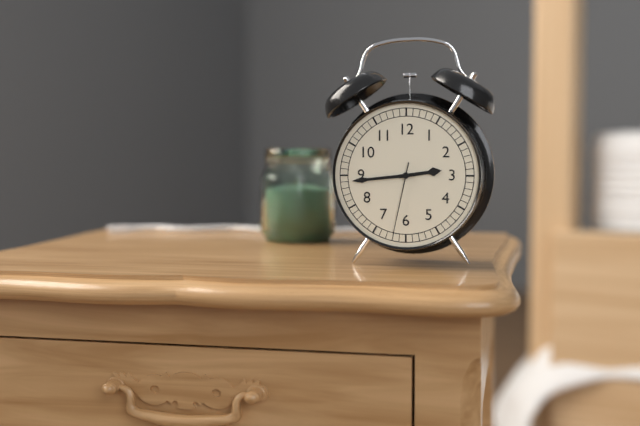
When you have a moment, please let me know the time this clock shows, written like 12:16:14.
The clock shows 2:44:32
